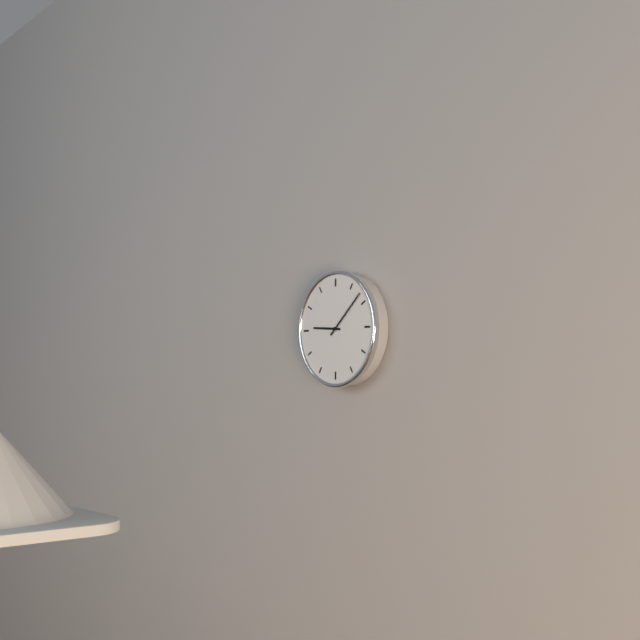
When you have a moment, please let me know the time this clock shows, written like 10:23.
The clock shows 9:08
